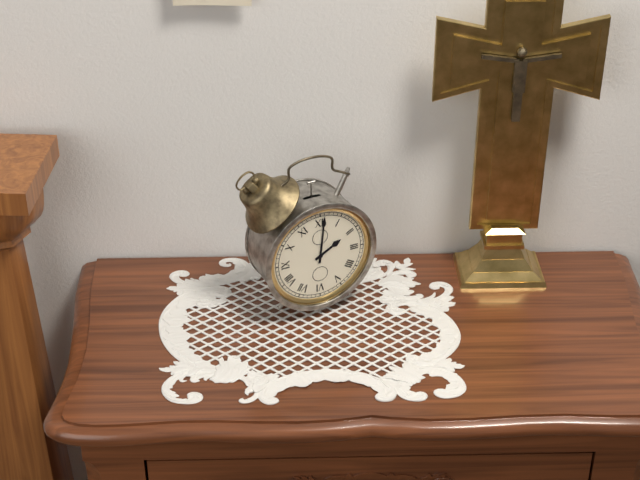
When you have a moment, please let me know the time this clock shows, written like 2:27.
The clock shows 2:01
